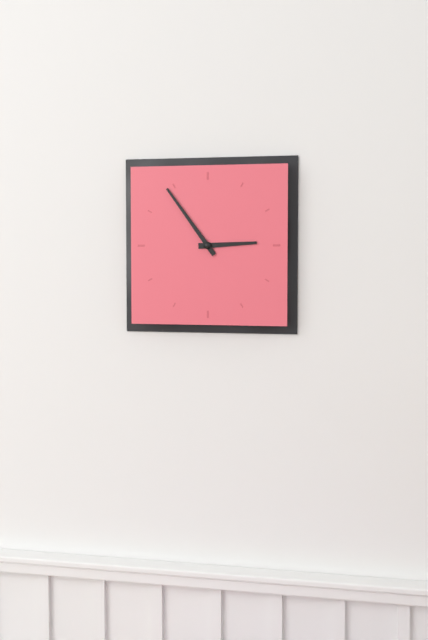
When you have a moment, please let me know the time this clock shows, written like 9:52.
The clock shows 2:54
